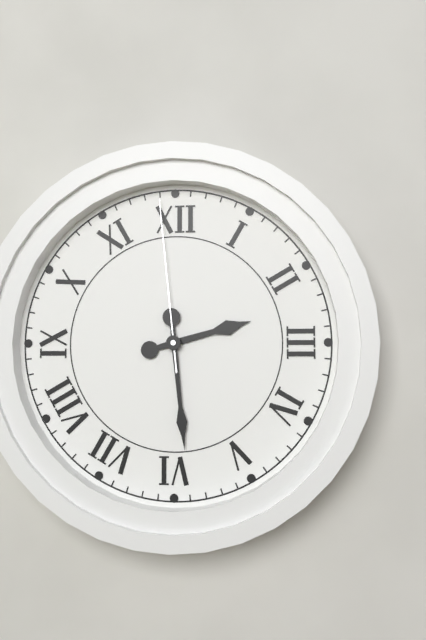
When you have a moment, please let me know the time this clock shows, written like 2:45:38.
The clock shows 2:29:59
